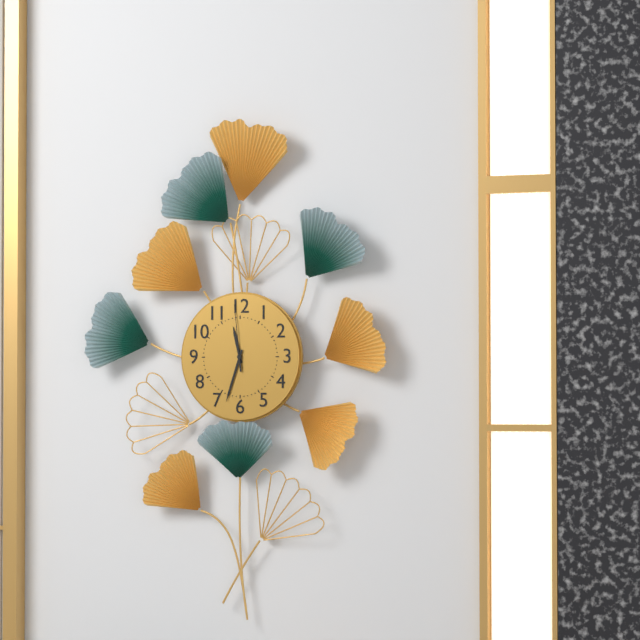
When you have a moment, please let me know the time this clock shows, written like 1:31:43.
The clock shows 11:33:59
